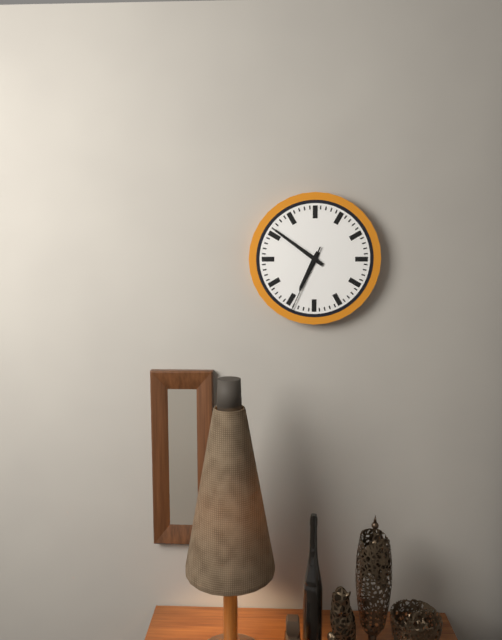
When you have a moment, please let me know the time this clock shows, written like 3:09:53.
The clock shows 6:51:34
